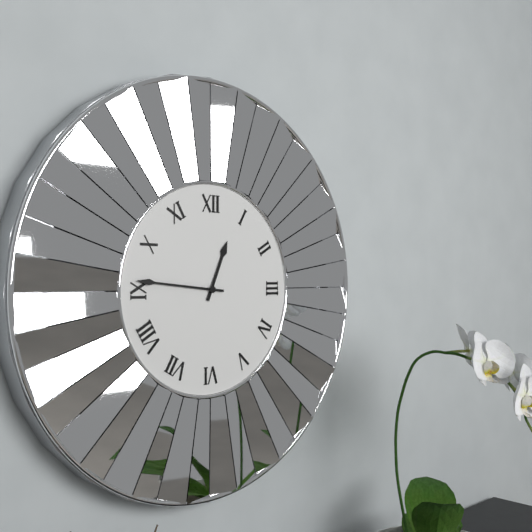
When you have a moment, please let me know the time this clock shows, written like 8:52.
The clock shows 12:46
